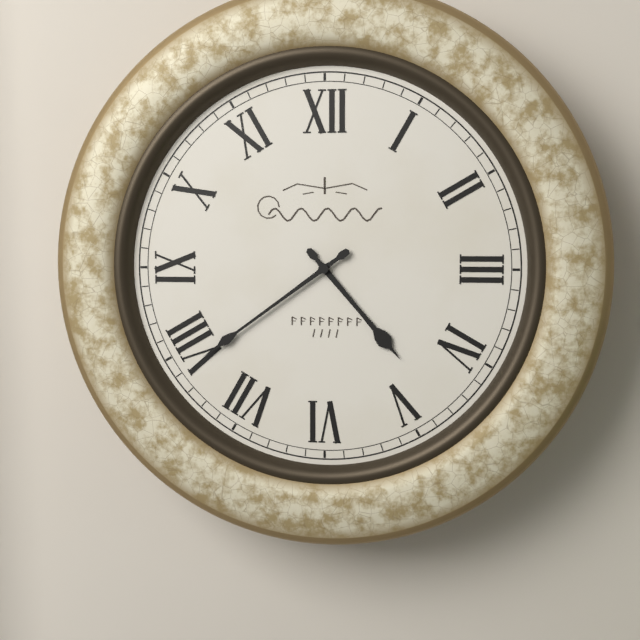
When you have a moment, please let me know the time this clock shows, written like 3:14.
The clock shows 4:39
